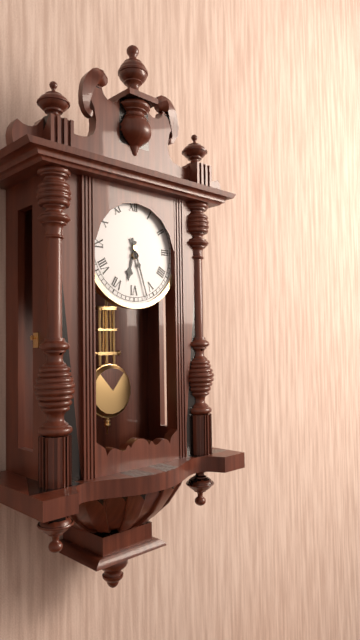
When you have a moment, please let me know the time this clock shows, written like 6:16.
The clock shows 6:27
